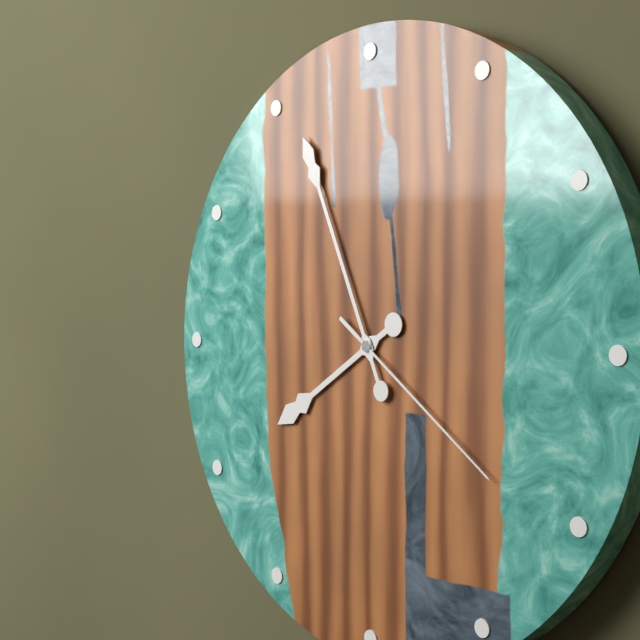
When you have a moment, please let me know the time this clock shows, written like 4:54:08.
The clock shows 7:56:21
